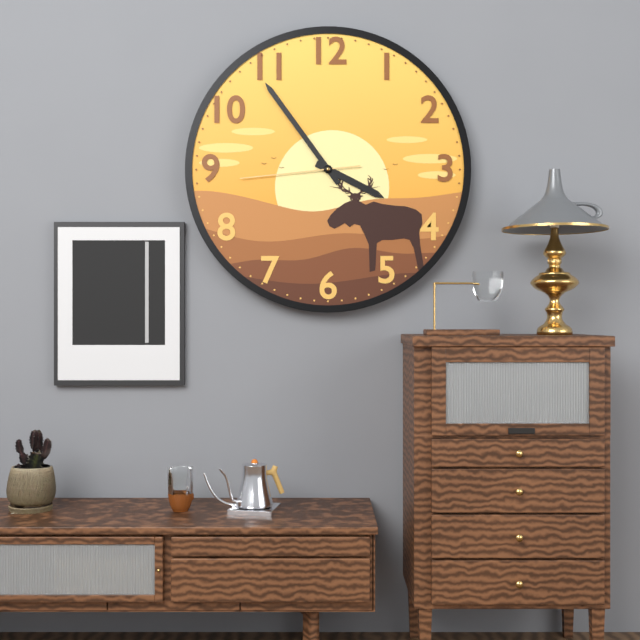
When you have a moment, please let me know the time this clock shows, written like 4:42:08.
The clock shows 3:54:44
